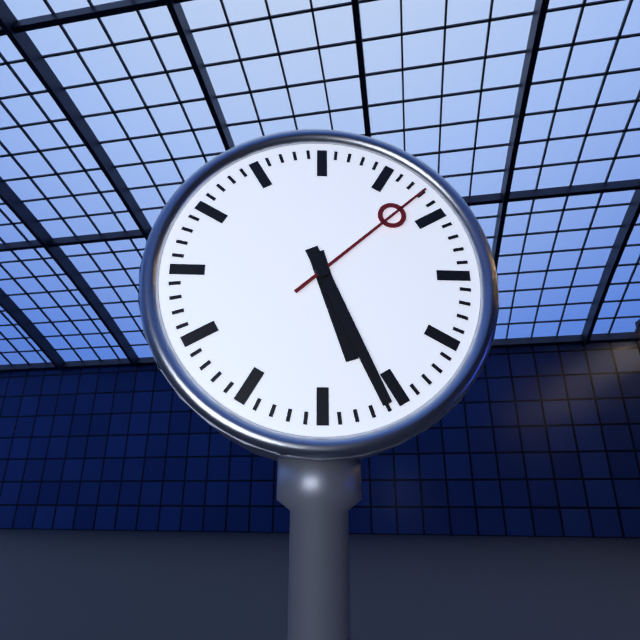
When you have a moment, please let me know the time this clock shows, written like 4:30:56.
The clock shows 5:26:08
